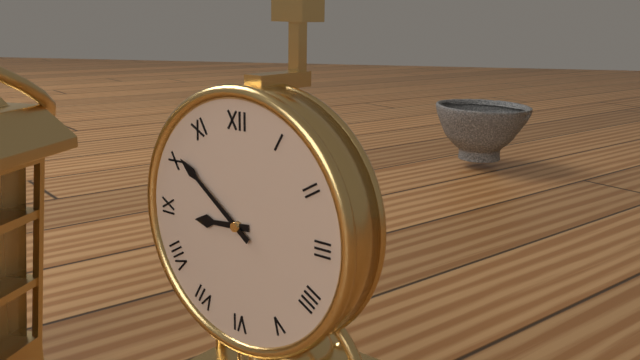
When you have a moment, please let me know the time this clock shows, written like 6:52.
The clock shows 8:51
